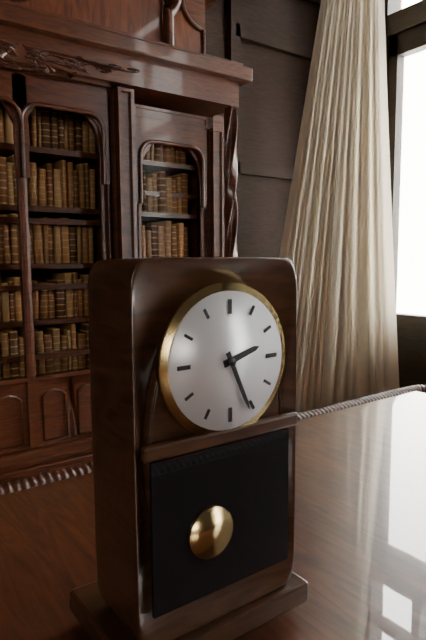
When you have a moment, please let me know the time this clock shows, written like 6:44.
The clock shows 2:26
